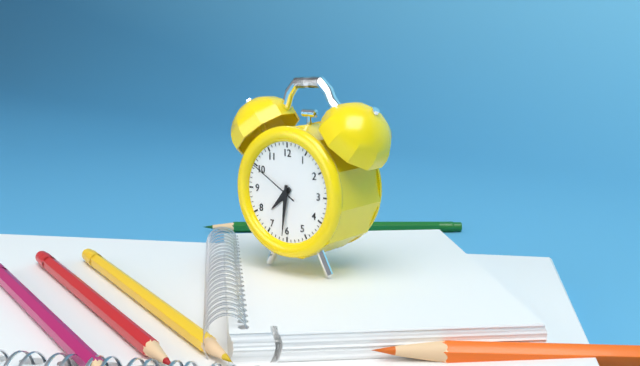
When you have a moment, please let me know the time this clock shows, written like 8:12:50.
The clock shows 7:31:50
